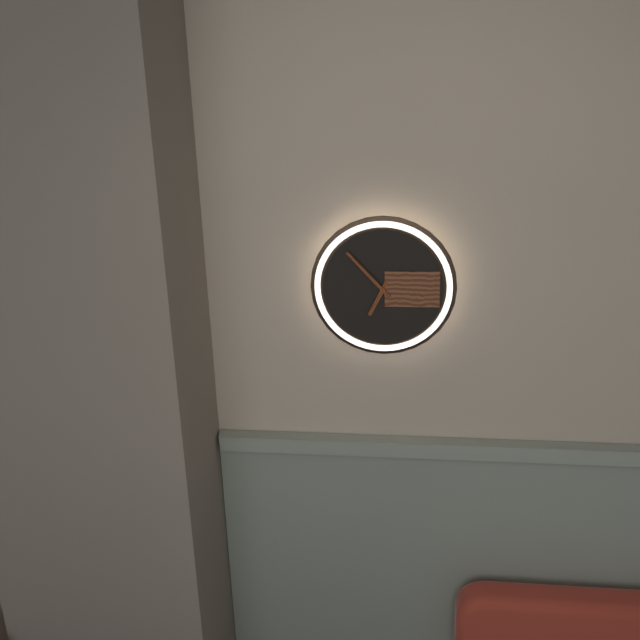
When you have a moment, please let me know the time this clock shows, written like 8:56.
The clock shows 6:53
